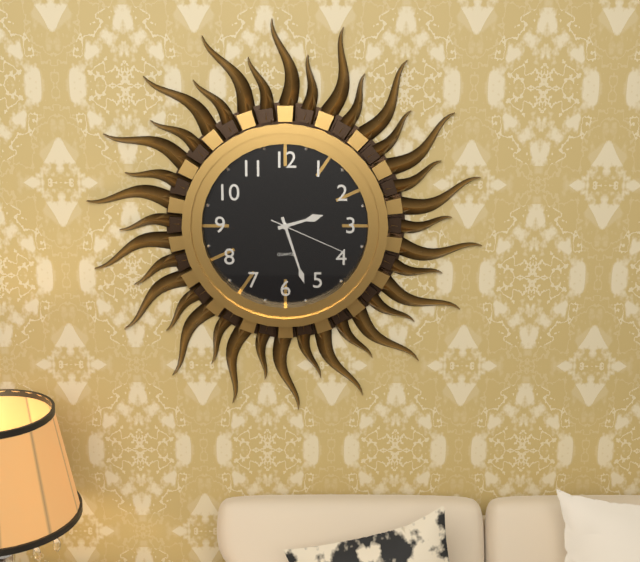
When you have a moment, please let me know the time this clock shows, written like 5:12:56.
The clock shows 2:27:19
